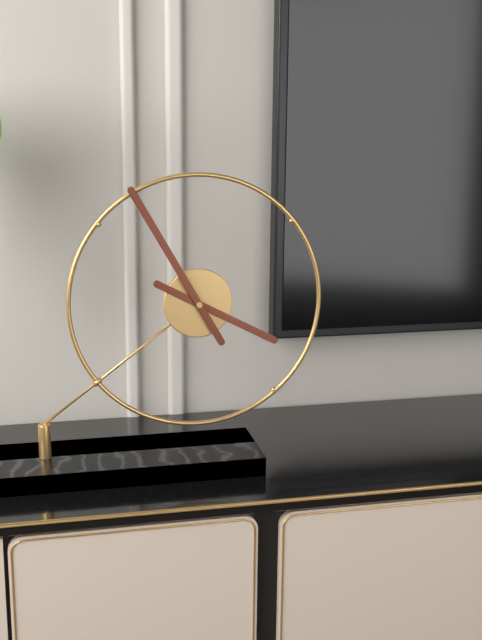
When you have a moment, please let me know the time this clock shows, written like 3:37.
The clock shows 3:55
